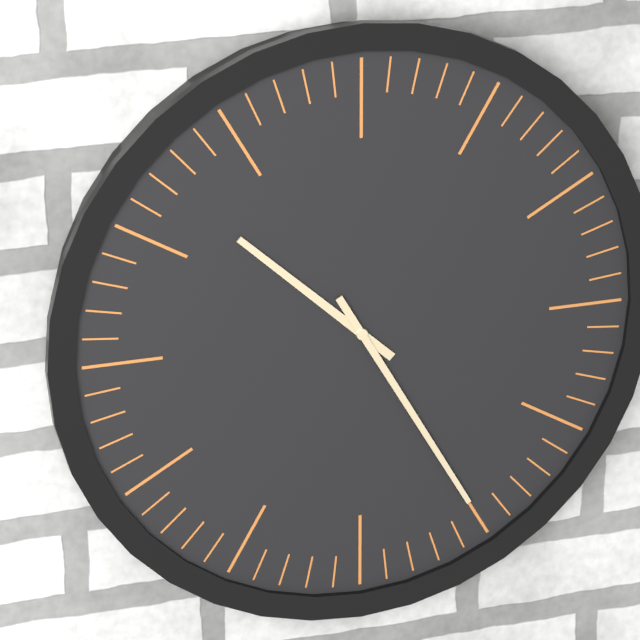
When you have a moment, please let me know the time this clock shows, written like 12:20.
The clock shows 10:25
